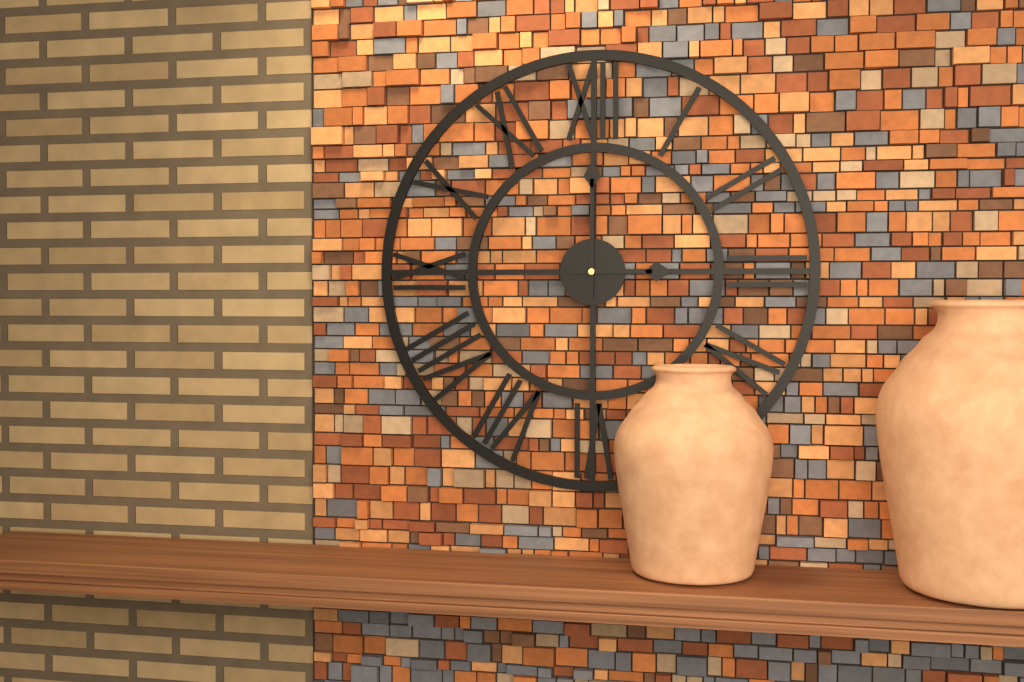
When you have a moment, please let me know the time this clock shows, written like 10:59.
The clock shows 3:00
